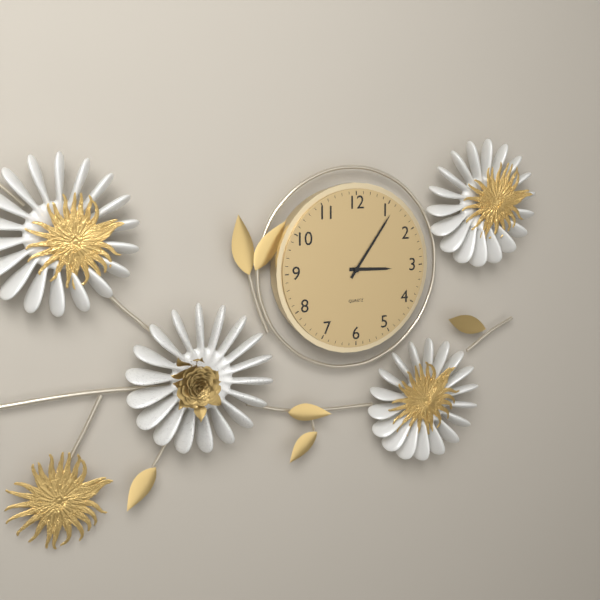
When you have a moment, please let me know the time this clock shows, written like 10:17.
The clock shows 3:06
